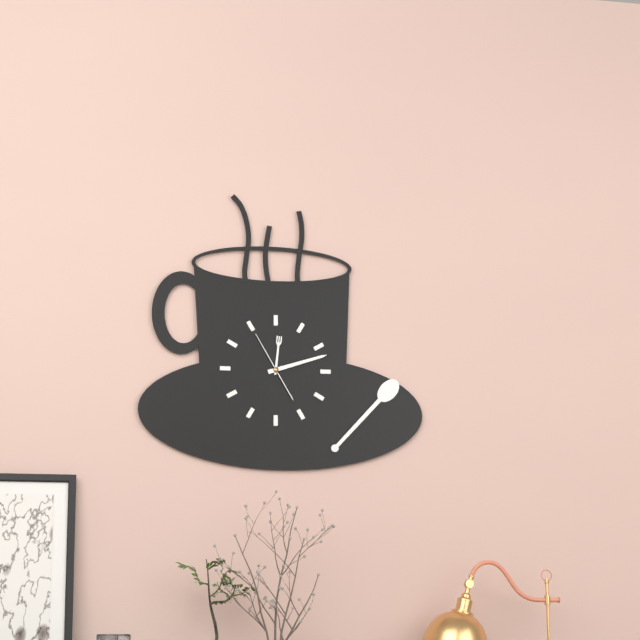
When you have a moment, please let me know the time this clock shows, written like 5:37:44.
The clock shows 12:12:55
